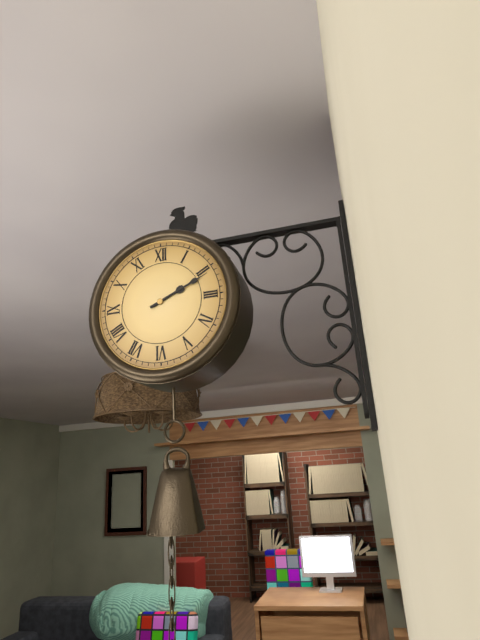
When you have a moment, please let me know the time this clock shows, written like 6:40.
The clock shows 2:11
